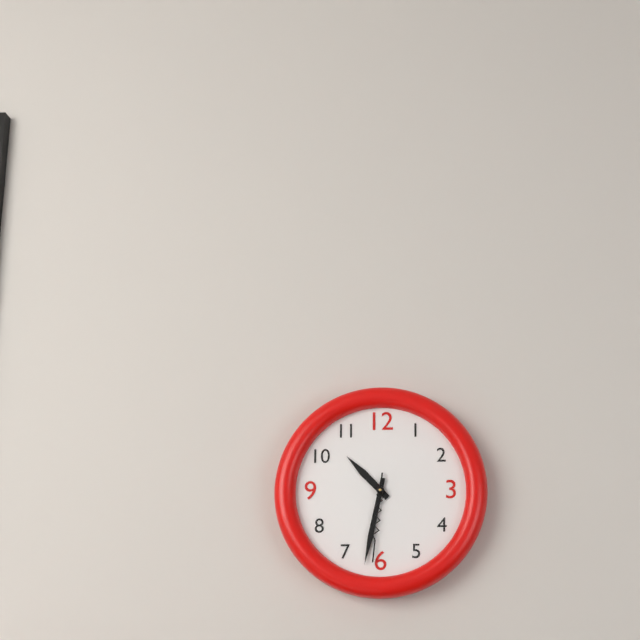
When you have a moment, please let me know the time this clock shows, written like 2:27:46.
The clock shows 10:32:31
